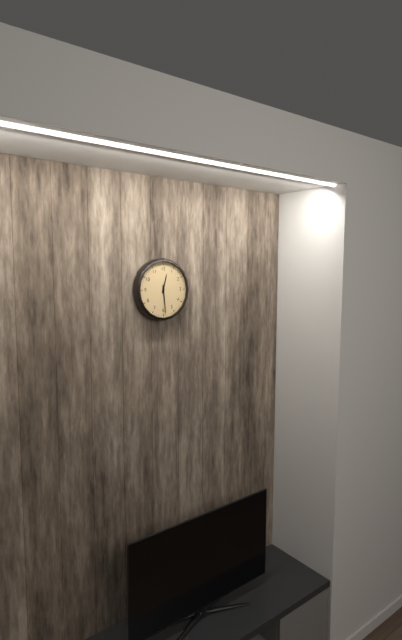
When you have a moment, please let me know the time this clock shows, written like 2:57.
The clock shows 12:29
